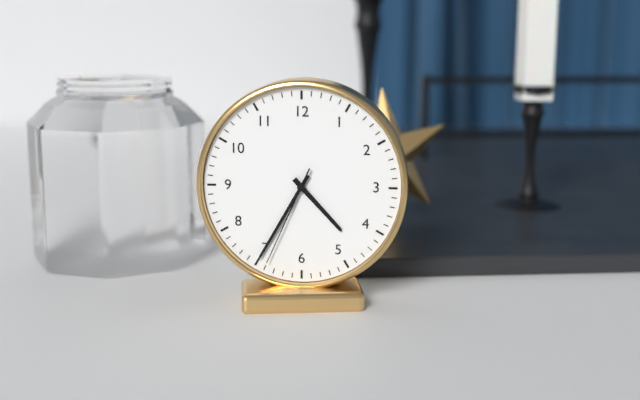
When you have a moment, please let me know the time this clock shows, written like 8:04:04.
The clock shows 4:35:34
